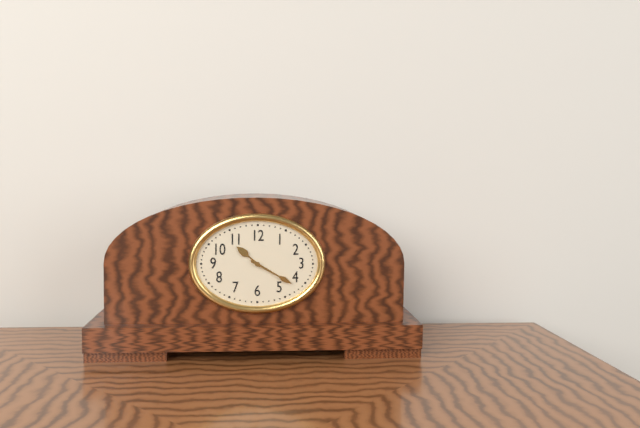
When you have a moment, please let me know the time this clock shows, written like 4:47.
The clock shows 10:20
